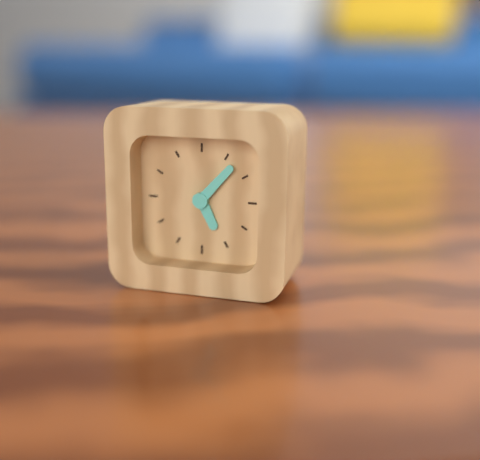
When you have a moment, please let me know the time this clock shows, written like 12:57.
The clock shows 5:07
